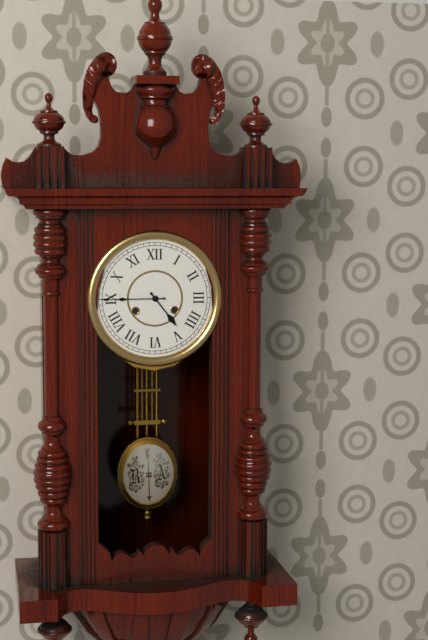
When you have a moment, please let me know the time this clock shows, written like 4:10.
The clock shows 4:45
